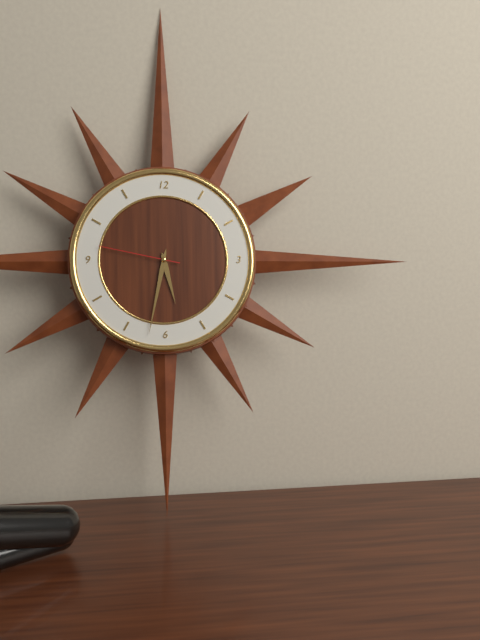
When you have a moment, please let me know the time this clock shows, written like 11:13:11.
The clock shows 5:32:47
